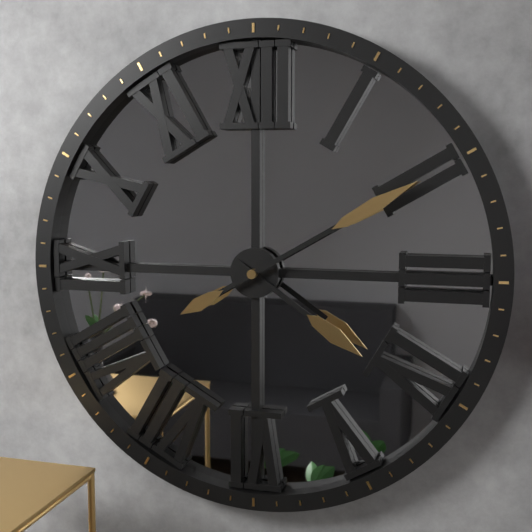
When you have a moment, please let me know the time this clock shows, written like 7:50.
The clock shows 4:10
